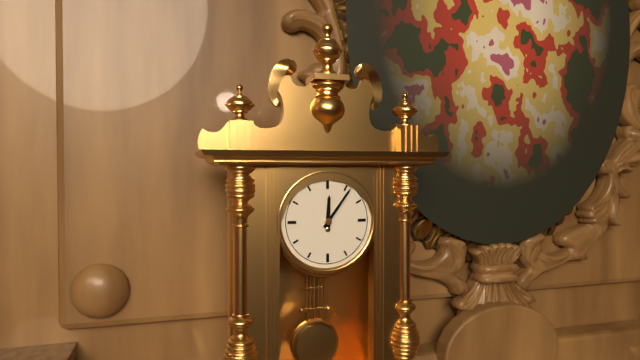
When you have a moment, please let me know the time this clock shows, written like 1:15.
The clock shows 12:06
